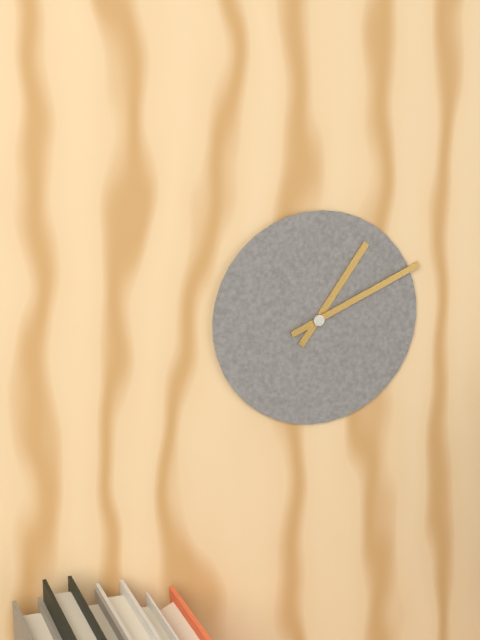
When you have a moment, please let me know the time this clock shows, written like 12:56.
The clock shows 1:11
